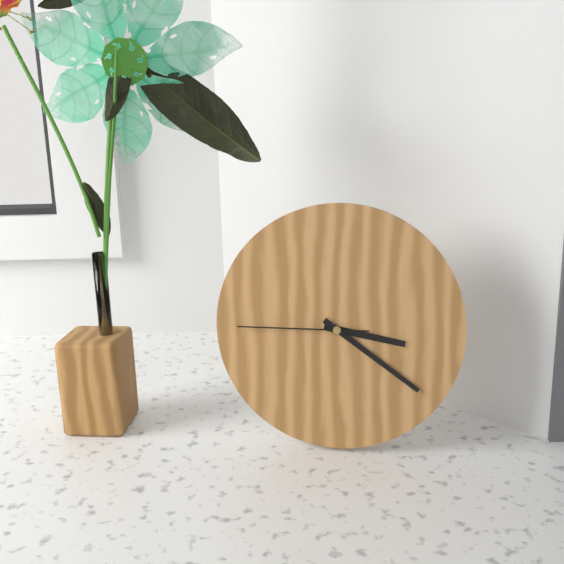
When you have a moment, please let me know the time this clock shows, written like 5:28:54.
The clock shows 3:21:45
